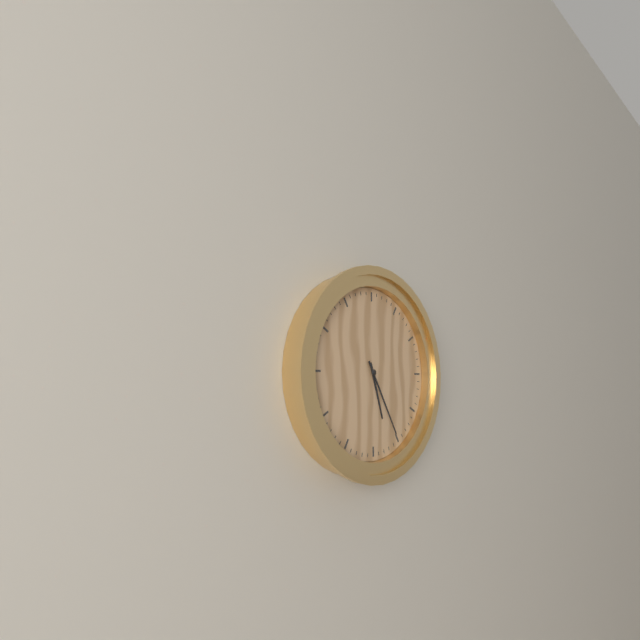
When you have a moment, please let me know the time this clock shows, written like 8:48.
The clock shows 5:25
